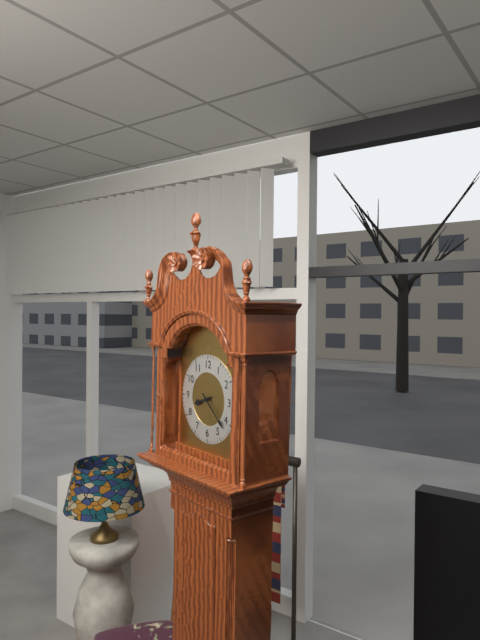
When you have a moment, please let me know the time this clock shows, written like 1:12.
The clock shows 8:22
